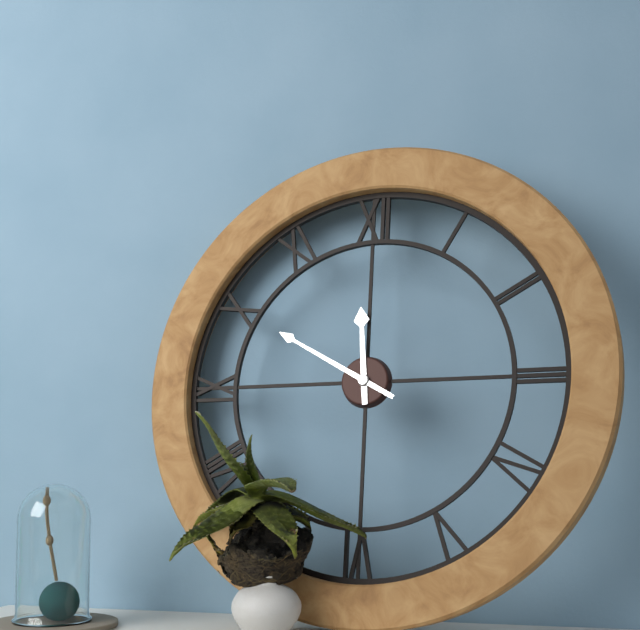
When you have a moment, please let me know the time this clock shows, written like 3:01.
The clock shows 11:50
